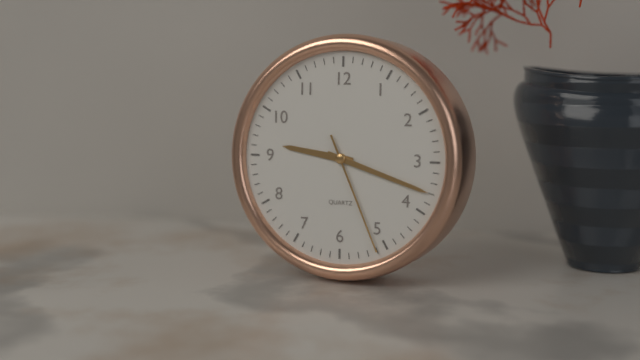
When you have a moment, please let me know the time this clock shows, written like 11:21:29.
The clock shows 9:18:26
